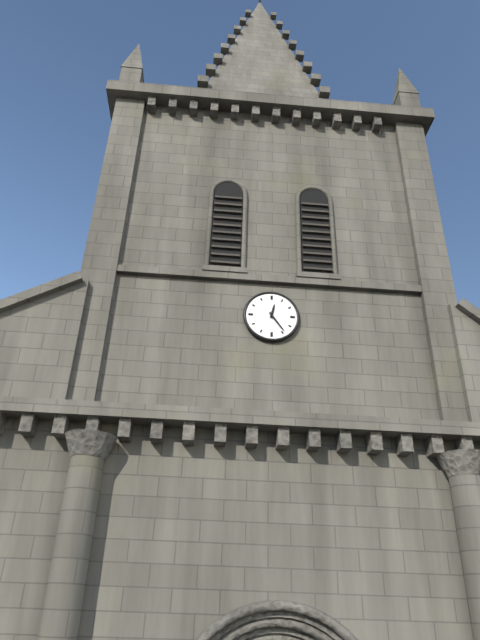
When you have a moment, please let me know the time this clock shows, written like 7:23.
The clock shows 12:24
